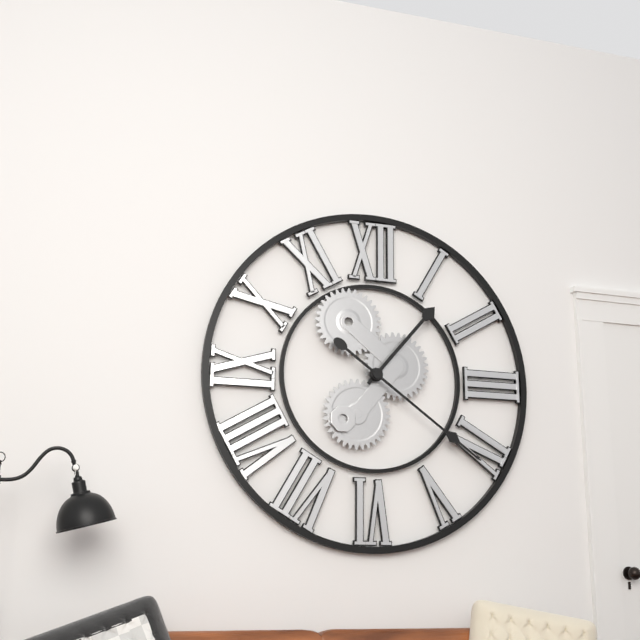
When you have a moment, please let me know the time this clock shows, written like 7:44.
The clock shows 1:21
